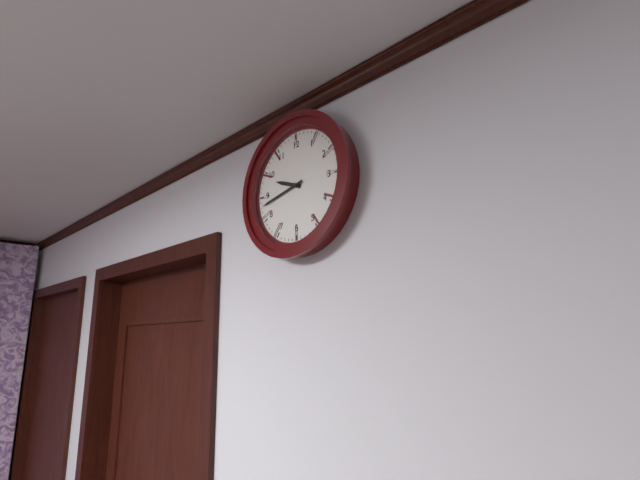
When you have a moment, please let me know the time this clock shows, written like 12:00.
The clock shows 9:43
